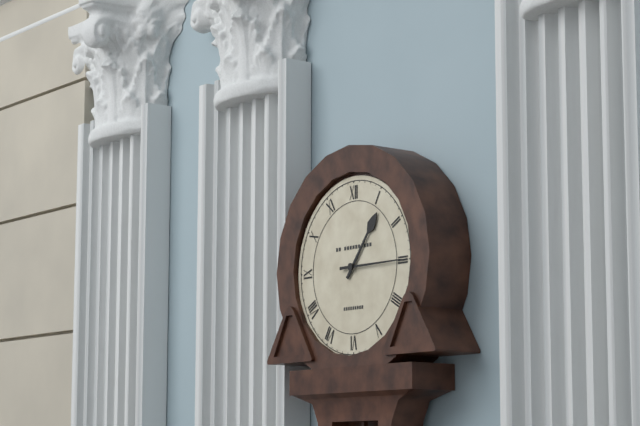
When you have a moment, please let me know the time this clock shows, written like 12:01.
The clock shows 1:15
